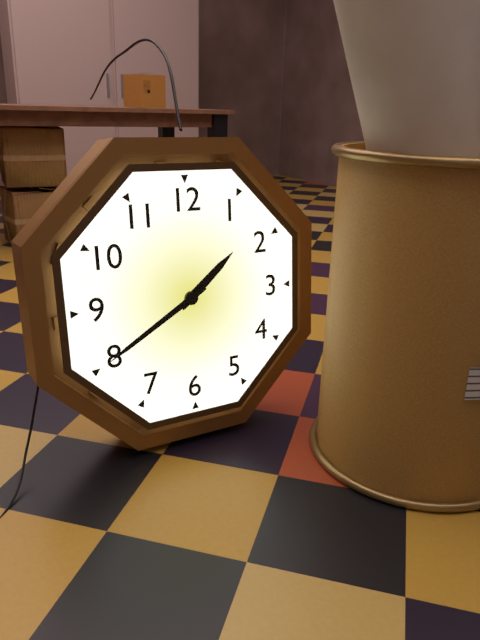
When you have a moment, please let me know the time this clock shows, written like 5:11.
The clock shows 1:40
